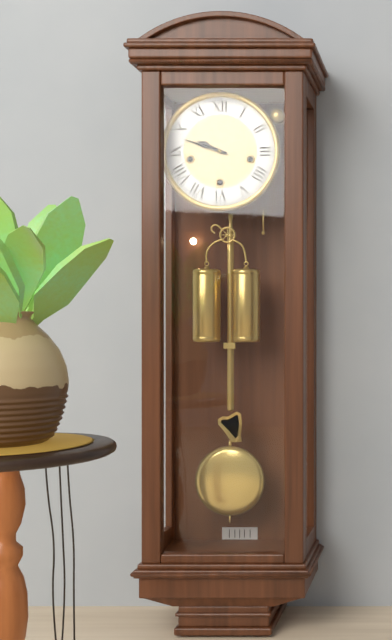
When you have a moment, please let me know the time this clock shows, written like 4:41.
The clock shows 9:48
